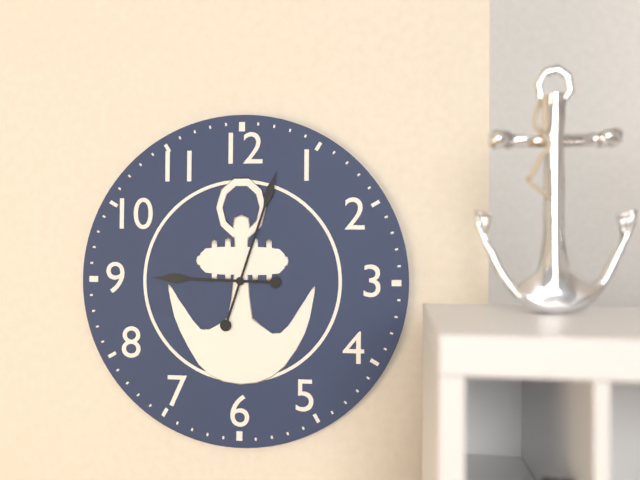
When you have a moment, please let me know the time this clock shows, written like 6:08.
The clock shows 9:03
